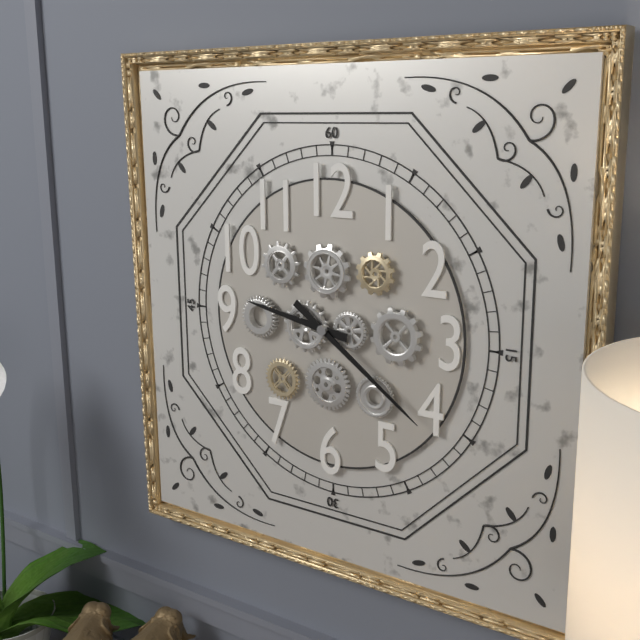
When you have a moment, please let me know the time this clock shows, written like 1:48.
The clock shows 9:21
